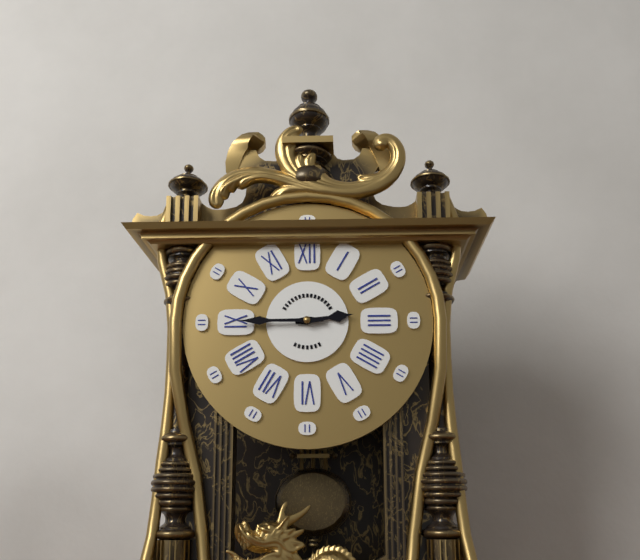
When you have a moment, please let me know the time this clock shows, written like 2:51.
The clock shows 2:45
